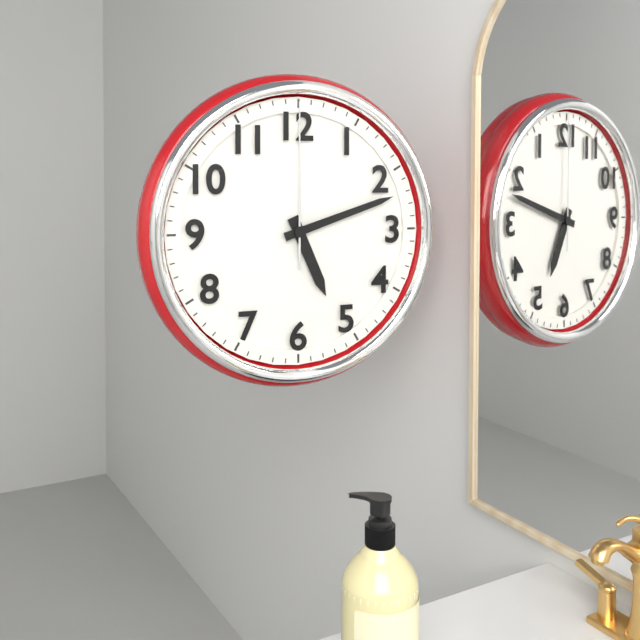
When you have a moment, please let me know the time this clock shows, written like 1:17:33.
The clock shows 5:12:00
